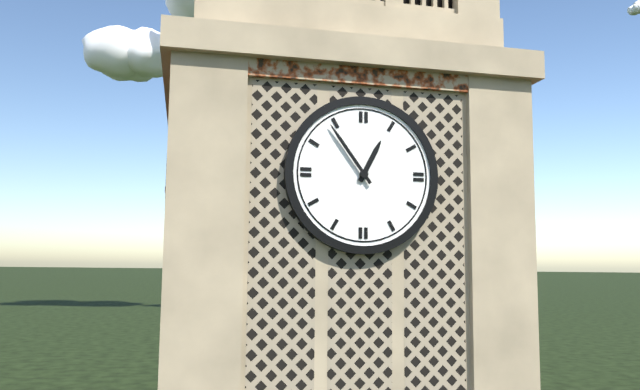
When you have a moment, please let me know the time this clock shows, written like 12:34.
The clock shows 12:54
